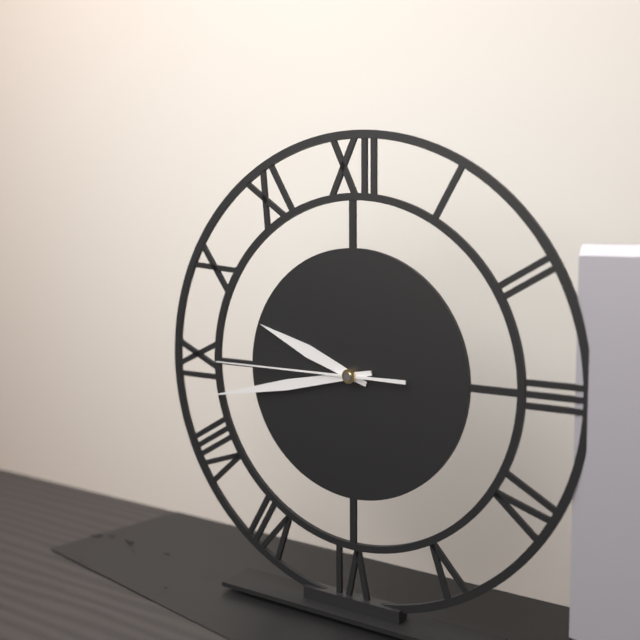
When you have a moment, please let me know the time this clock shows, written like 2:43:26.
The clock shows 9:43:45
